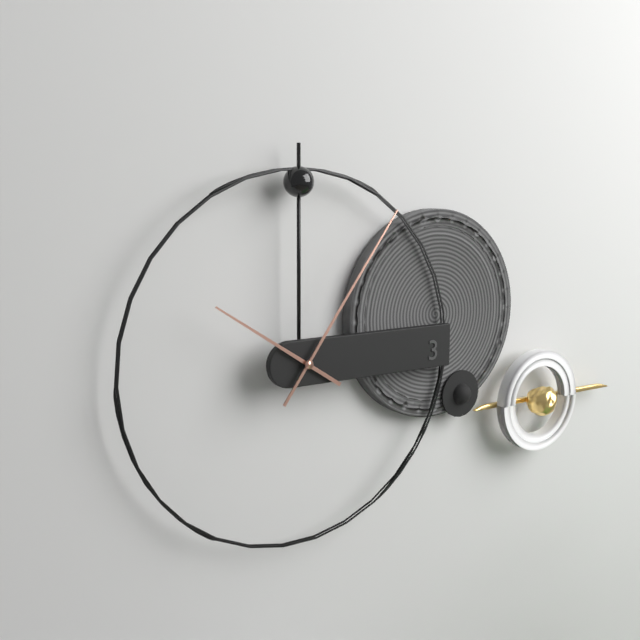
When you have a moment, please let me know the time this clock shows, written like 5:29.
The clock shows 10:06
